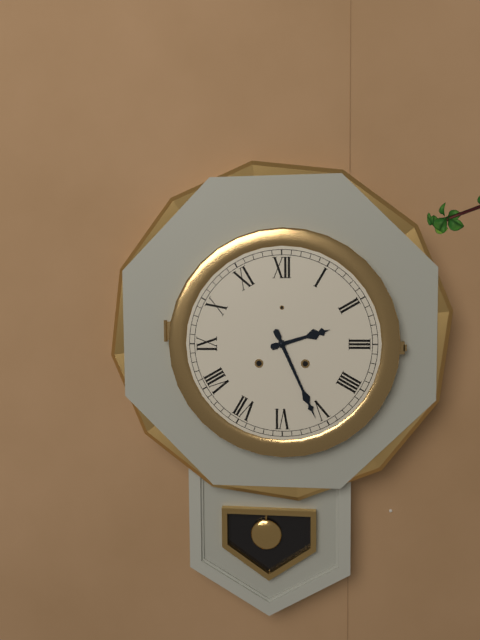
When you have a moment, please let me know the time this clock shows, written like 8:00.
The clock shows 2:26
